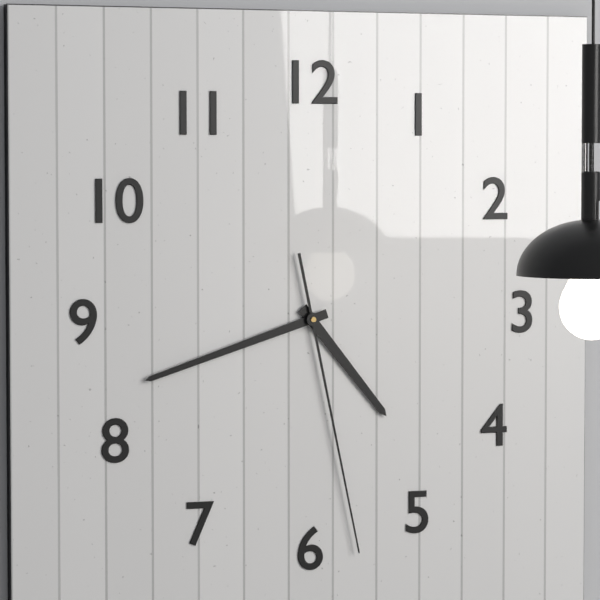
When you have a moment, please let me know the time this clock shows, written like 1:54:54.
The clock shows 4:42:28
